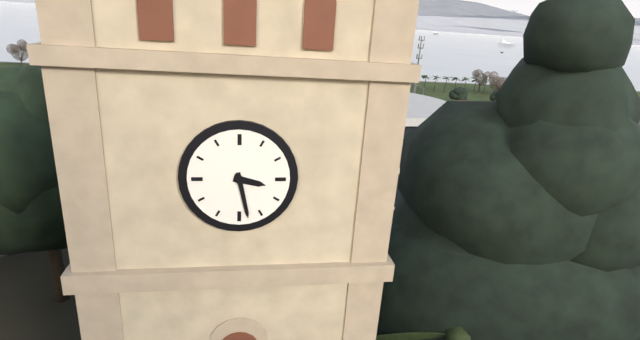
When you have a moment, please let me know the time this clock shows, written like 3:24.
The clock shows 3:28
